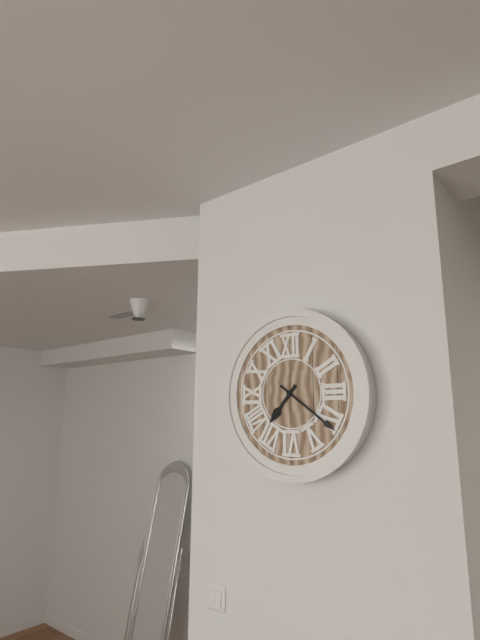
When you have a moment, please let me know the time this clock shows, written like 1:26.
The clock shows 7:21
